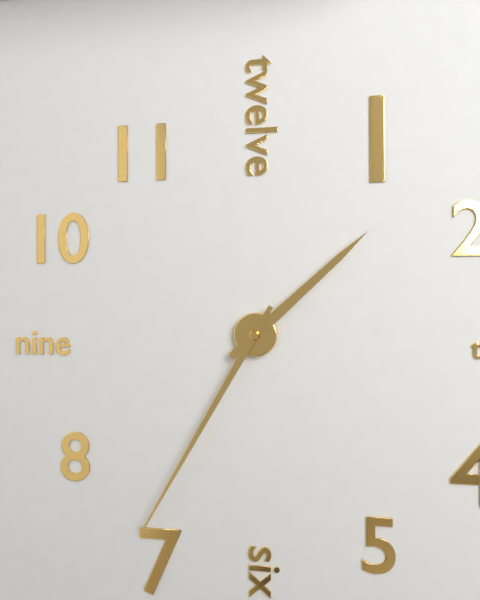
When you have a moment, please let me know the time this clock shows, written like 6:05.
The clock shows 1:35
